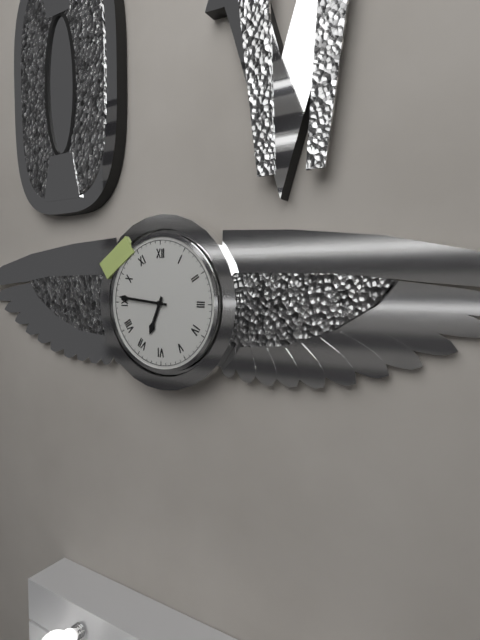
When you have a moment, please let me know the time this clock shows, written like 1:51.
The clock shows 6:46
